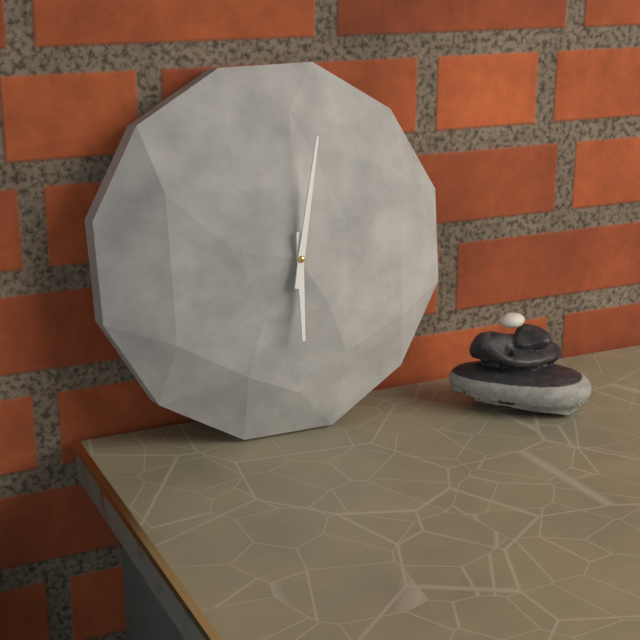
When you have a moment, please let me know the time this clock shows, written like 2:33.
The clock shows 6:02
